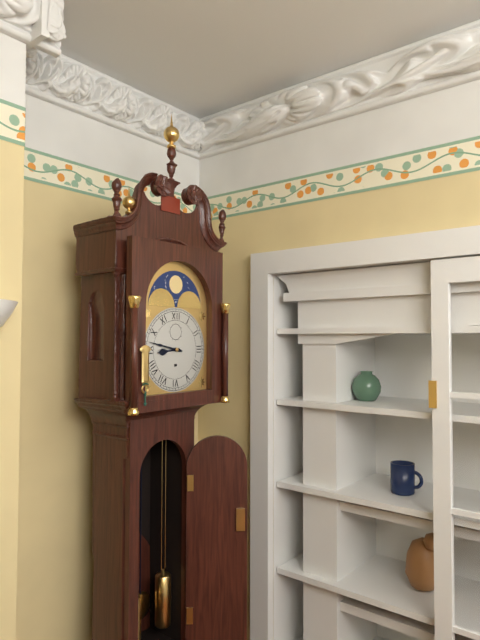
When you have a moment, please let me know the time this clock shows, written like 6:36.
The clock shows 8:47
